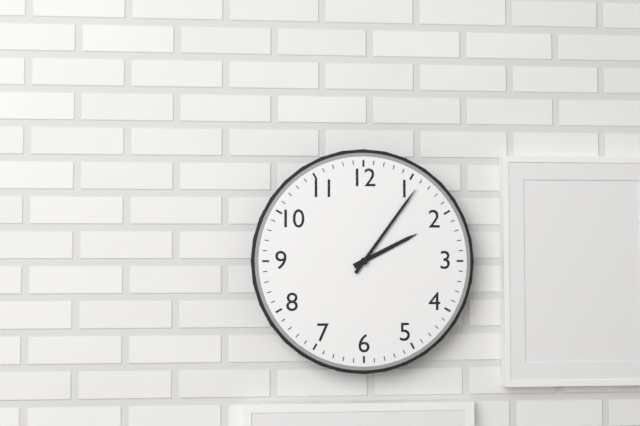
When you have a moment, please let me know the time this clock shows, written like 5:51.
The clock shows 2:06
